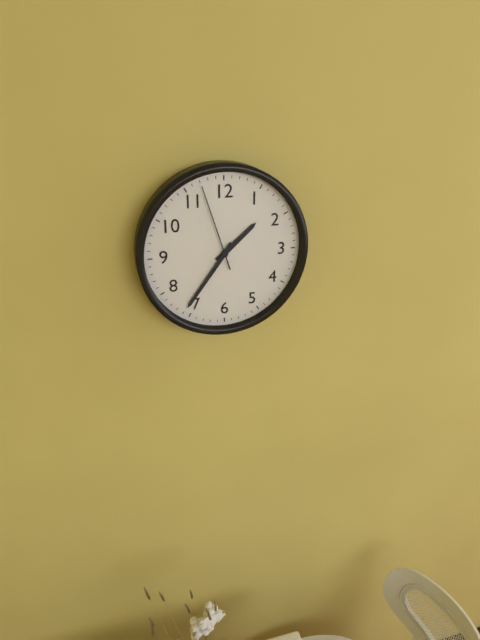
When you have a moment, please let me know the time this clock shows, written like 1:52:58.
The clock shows 1:36:57
